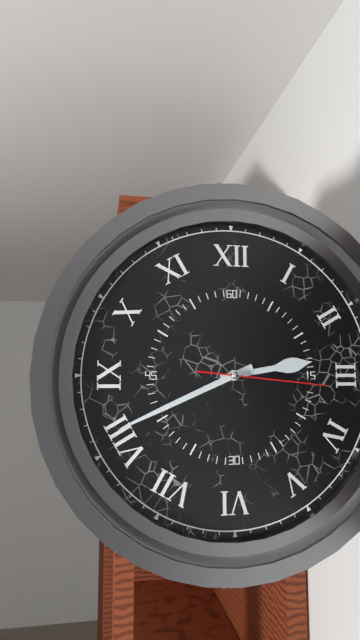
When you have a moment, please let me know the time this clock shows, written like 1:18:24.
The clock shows 2:41:16
